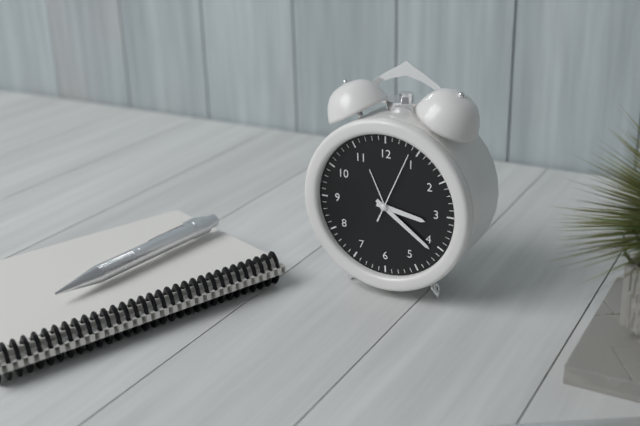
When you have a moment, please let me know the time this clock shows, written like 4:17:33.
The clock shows 3:21:04
